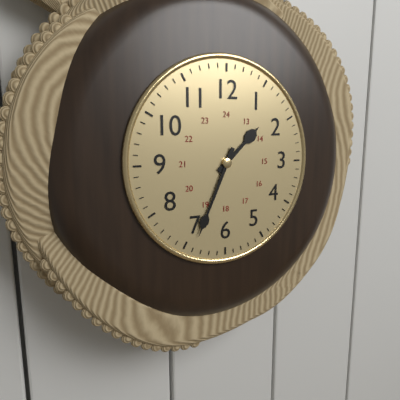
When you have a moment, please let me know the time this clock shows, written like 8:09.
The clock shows 1:34
